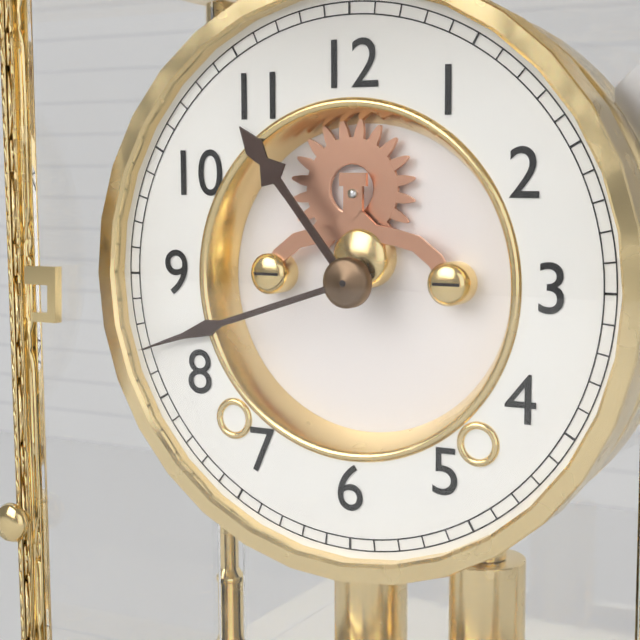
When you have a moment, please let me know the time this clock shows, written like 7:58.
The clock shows 10:42
